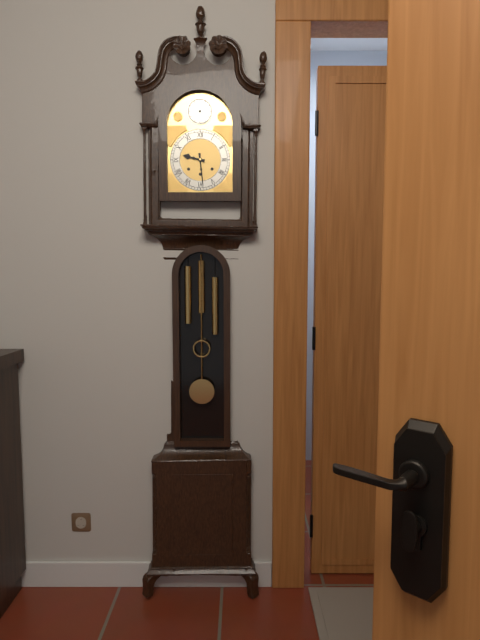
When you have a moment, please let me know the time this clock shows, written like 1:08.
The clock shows 9:29
